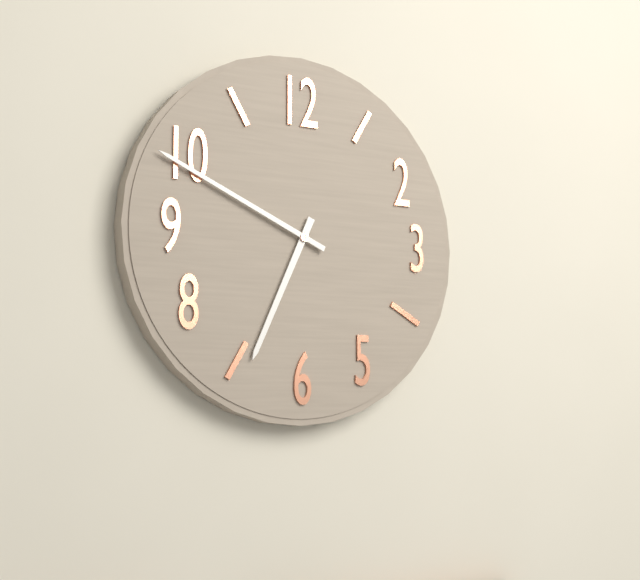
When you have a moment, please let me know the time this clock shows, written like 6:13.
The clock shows 6:49
